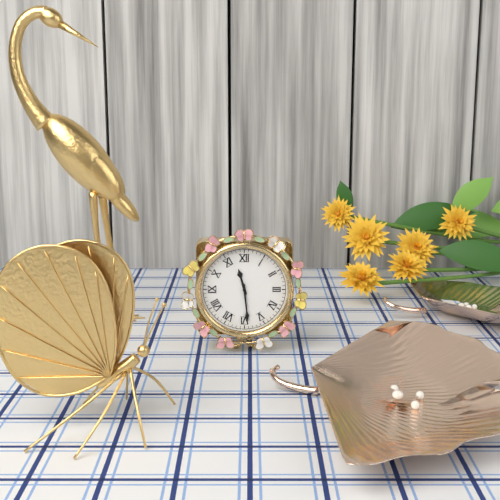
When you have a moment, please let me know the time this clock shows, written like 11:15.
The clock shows 11:29
